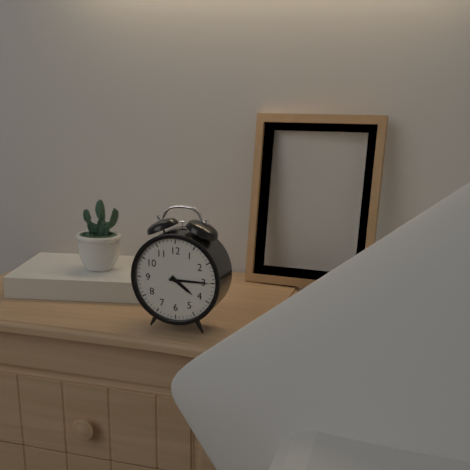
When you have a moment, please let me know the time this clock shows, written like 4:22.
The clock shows 4:15
